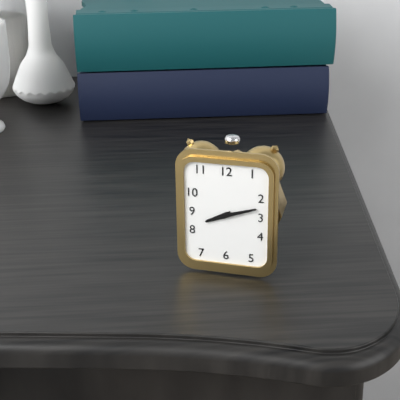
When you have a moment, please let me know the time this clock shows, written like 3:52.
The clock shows 8:12
